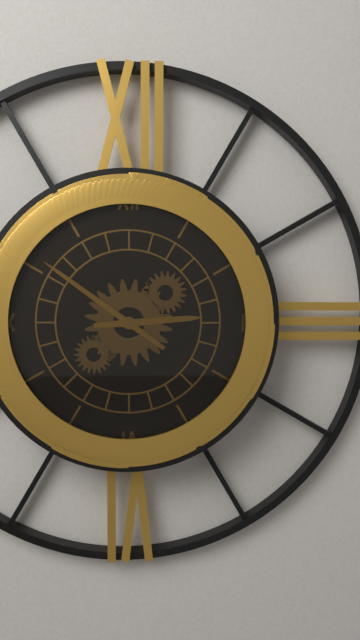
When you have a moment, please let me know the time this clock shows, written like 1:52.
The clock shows 2:51
